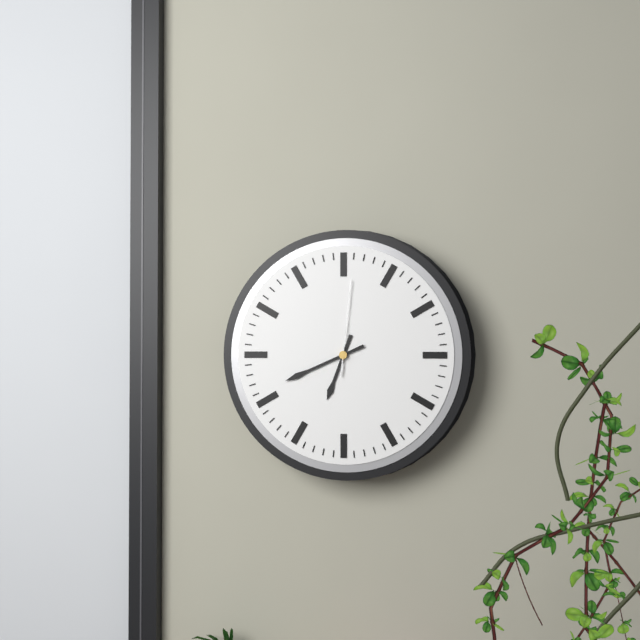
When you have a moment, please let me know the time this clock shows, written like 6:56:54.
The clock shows 6:41:01
